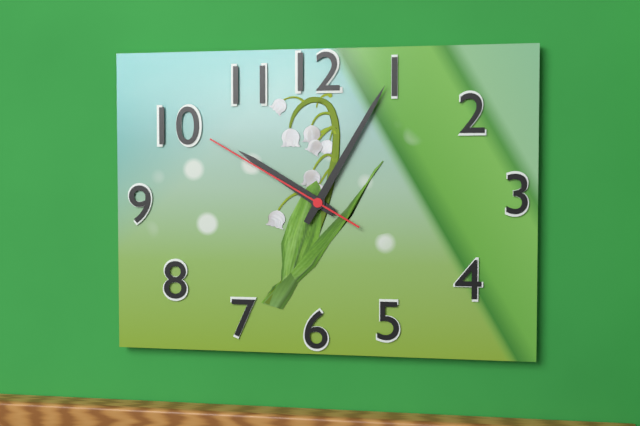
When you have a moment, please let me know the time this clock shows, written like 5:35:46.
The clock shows 10:05:50
